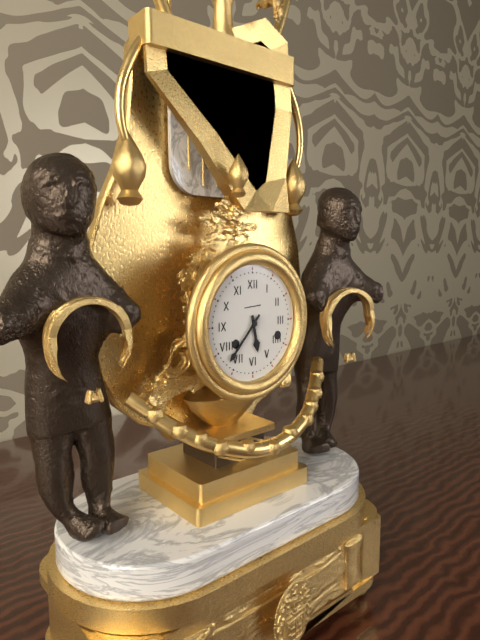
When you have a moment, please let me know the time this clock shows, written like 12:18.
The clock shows 5:37
